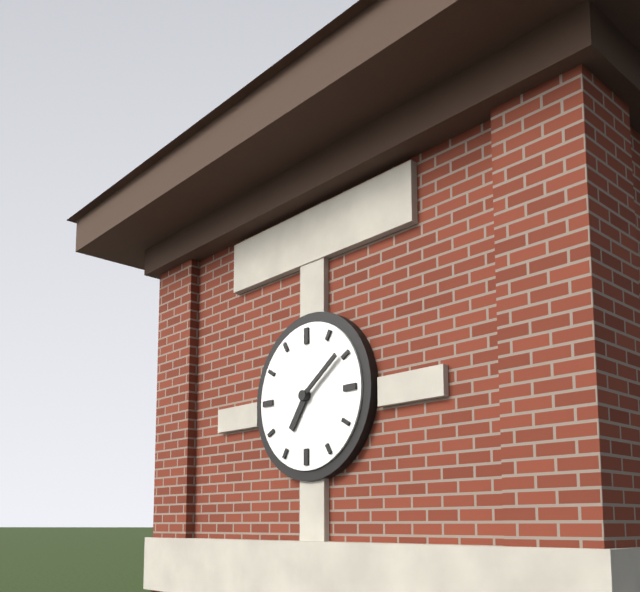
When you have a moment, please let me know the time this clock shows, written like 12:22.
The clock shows 7:09
